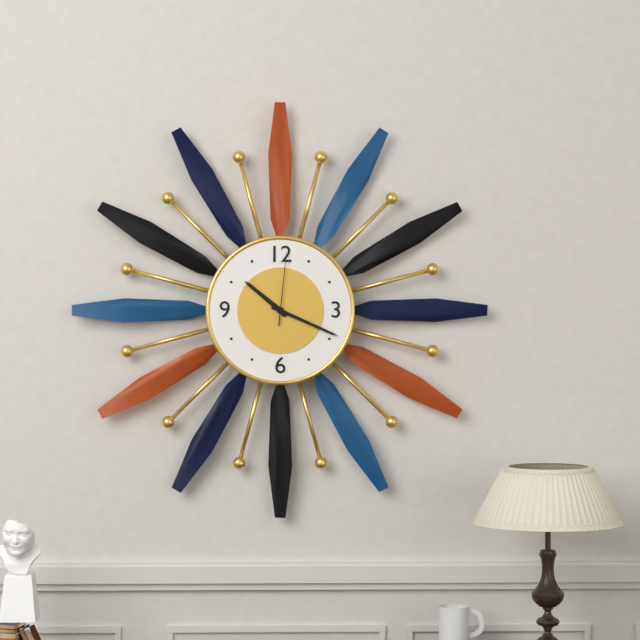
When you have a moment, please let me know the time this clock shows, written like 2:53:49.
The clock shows 10:19:01
